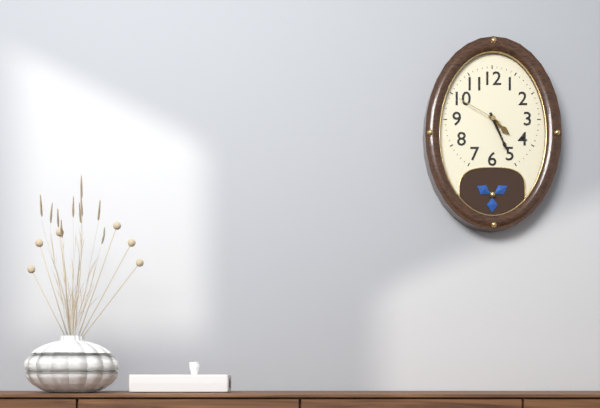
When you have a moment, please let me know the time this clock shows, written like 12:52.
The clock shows 4:26
